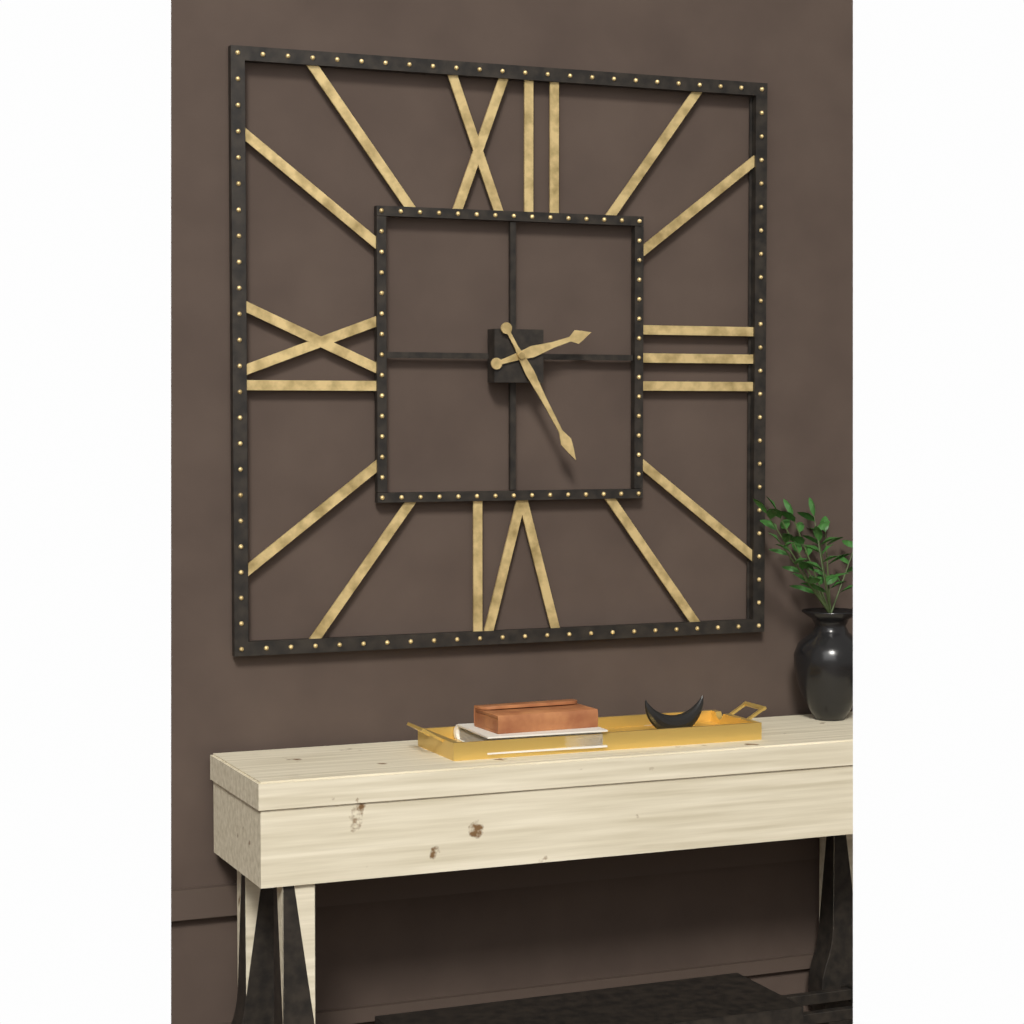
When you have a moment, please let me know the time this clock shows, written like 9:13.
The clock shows 2:25
